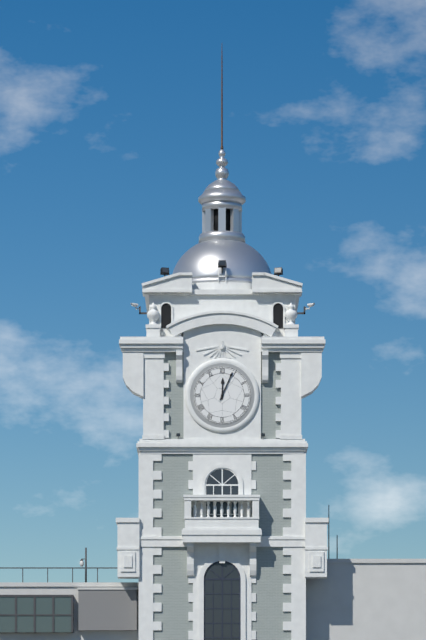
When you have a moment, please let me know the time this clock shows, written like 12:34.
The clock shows 12:04
